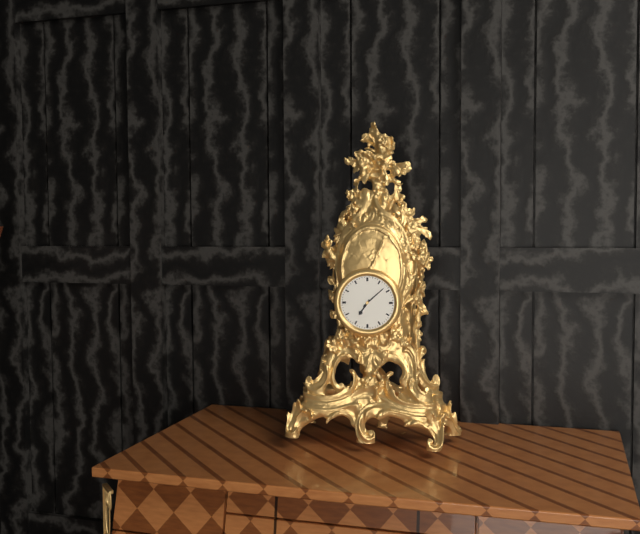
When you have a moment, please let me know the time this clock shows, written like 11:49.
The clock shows 7:08
